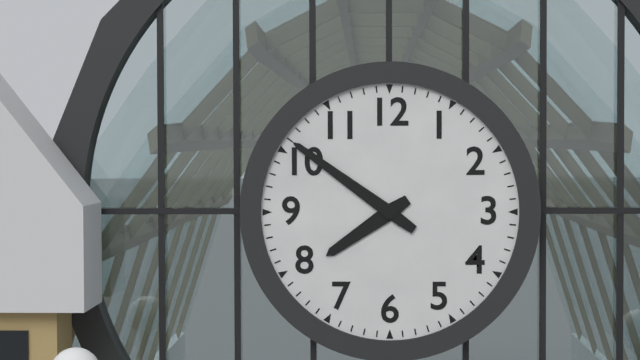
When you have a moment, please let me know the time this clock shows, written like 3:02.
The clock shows 7:51
